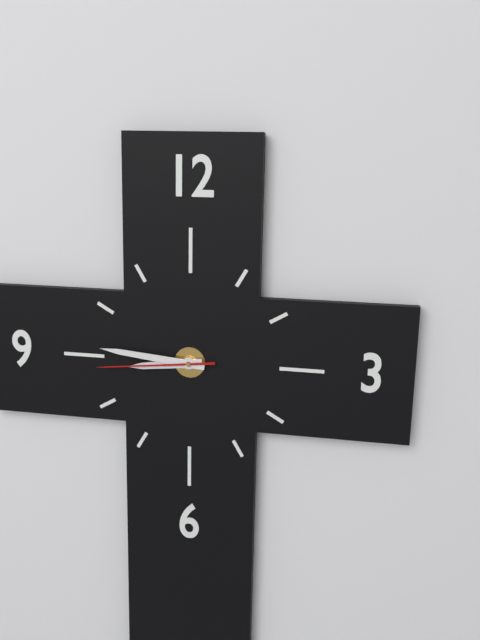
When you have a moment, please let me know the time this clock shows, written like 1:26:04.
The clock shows 8:46:44
